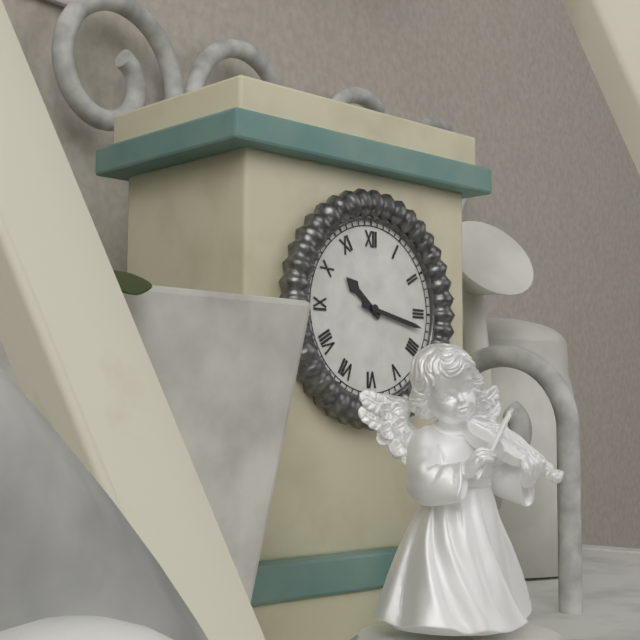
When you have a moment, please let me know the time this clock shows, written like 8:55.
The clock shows 10:17
